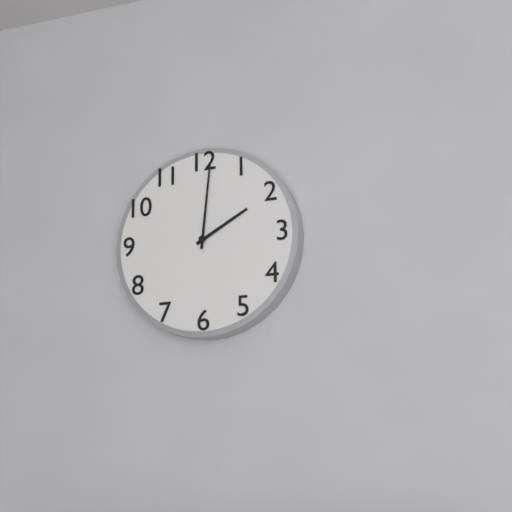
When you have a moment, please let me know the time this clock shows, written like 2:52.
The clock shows 2:01
